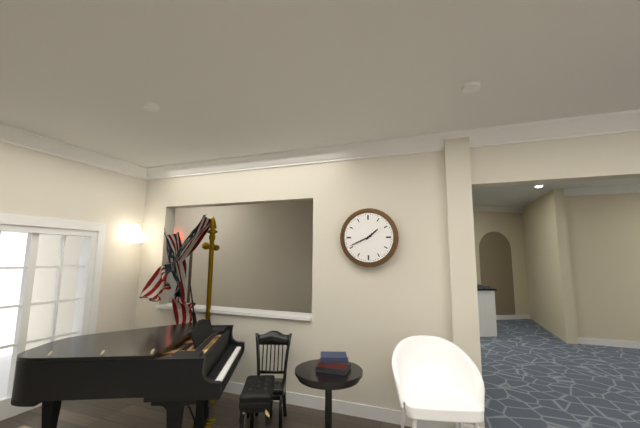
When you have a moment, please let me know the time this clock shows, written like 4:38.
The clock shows 1:41
